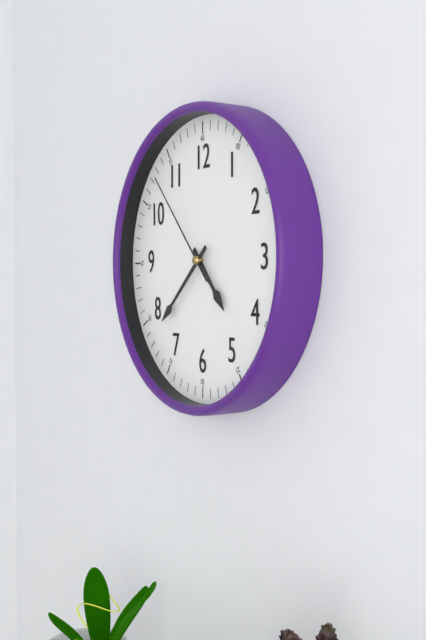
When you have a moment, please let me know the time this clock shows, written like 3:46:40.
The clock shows 4:38:53
